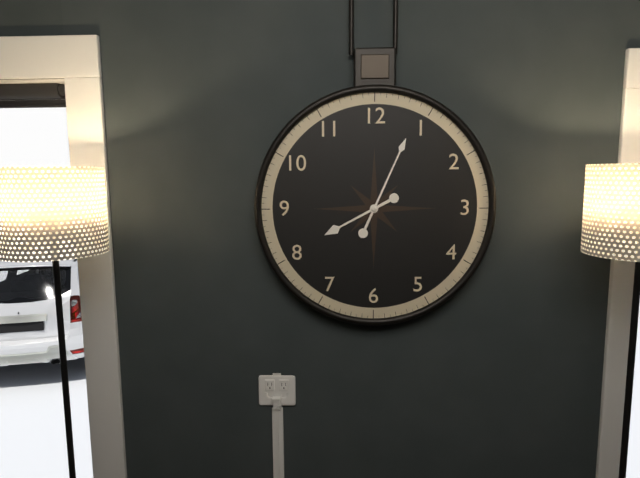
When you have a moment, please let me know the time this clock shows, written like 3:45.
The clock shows 8:04
